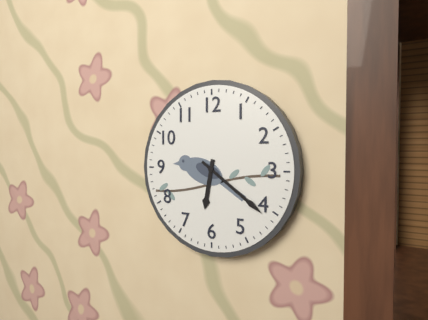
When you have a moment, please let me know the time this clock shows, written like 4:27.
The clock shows 6:21
